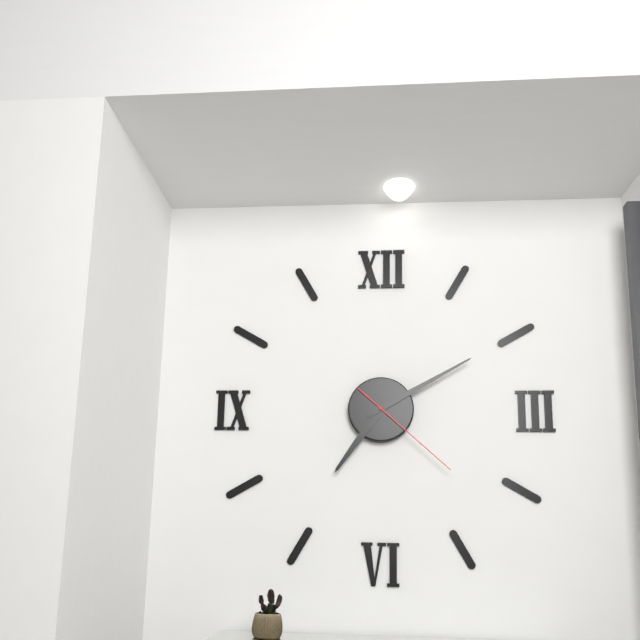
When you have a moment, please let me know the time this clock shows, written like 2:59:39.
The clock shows 7:10:22
